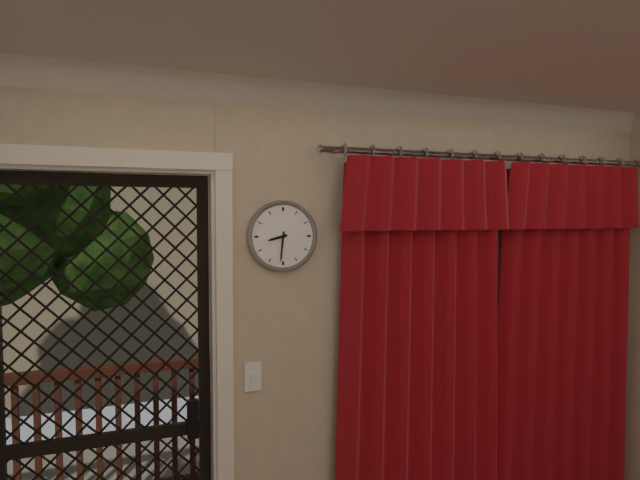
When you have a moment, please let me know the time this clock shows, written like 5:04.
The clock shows 8:31
